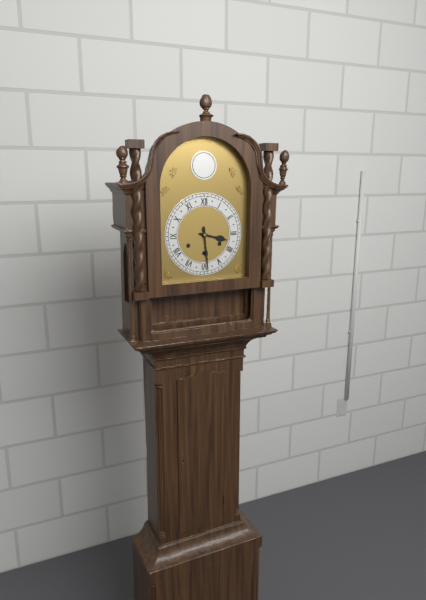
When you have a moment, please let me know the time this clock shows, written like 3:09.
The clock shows 3:29
